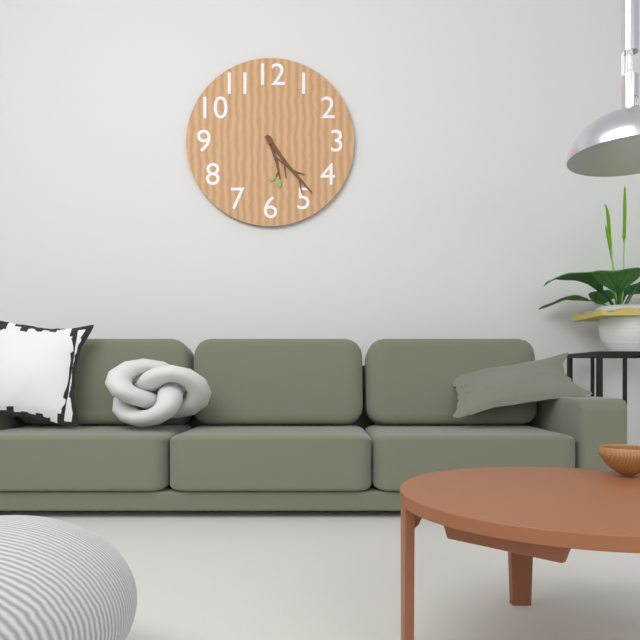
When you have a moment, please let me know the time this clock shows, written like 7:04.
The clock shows 5:24
